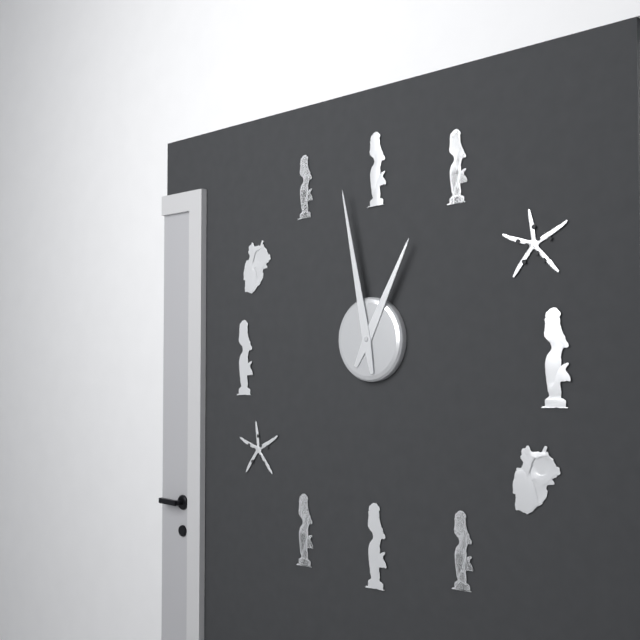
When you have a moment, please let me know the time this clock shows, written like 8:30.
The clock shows 12:58
